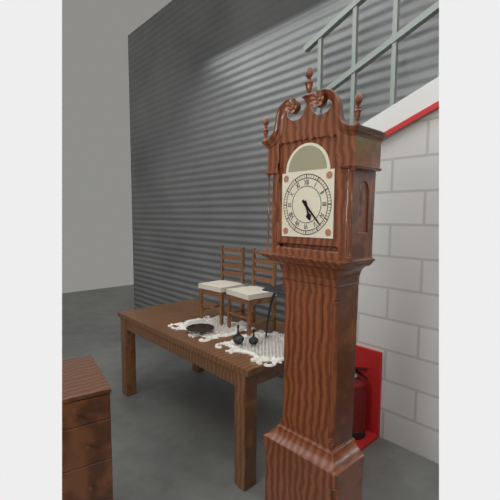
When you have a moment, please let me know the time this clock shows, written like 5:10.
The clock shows 5:23
